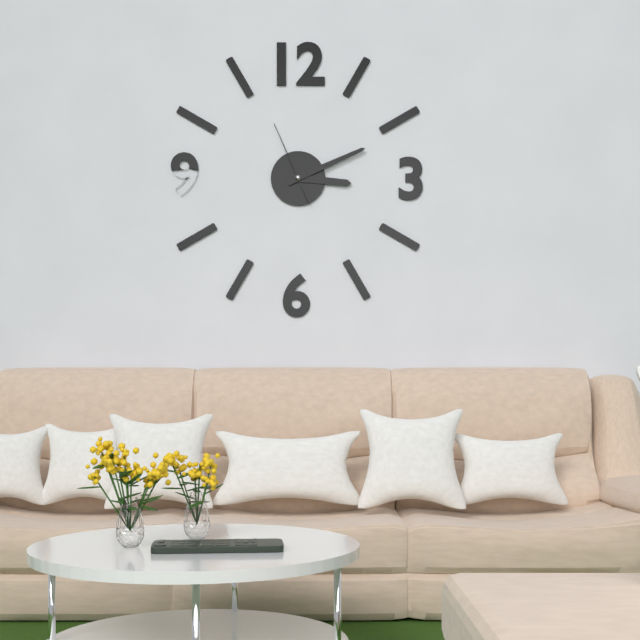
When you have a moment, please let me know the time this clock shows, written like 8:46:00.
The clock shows 3:11:56
